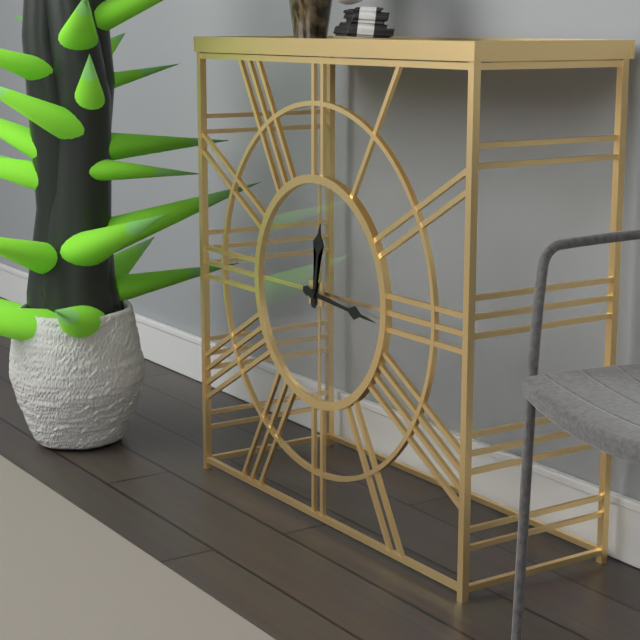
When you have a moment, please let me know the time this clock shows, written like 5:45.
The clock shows 12:16
